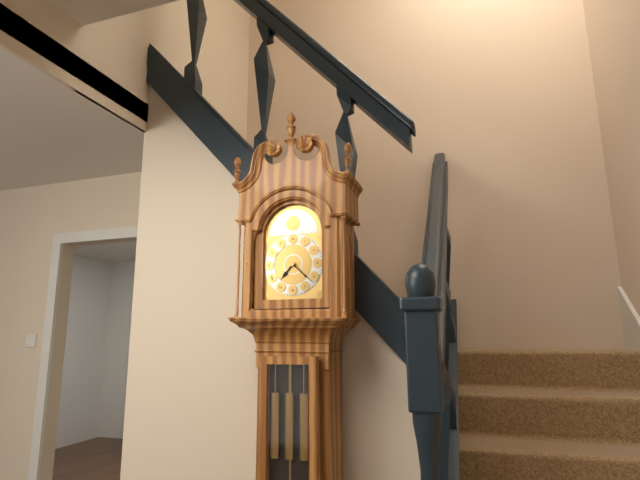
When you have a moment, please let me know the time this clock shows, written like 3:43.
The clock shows 7:22
